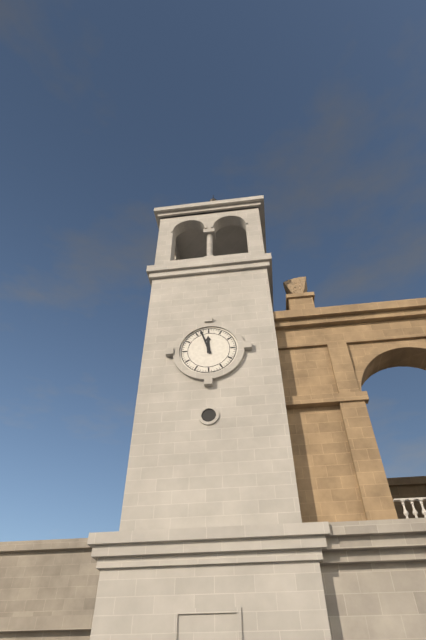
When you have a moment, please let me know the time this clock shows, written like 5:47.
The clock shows 11:57
